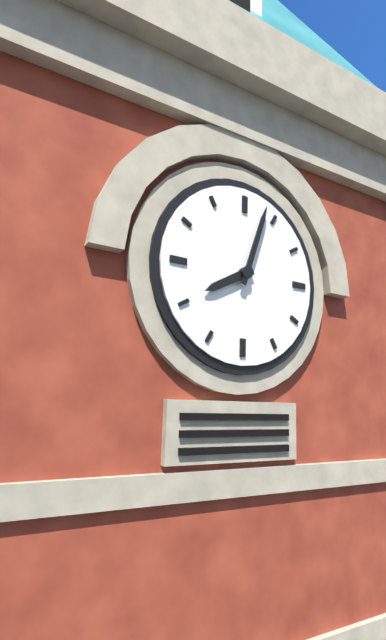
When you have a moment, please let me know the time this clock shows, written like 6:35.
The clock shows 8:03
